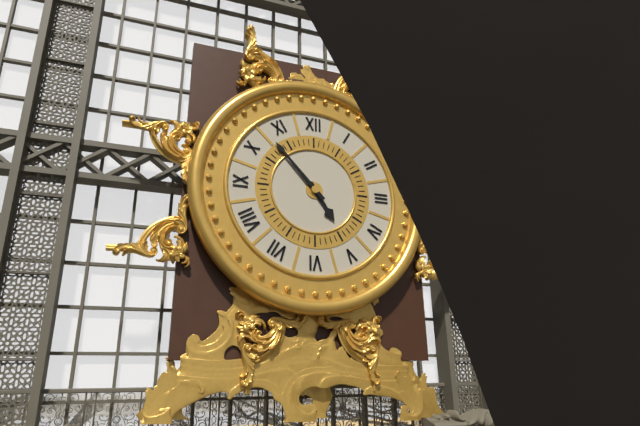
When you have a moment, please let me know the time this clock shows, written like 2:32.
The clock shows 4:53
